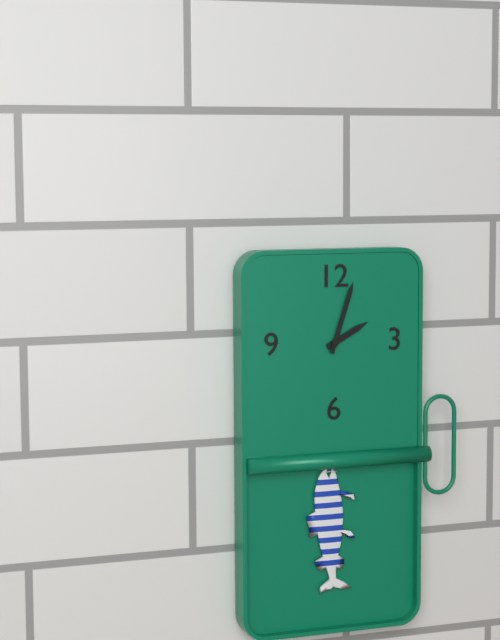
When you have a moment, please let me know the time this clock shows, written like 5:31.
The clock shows 2:03
